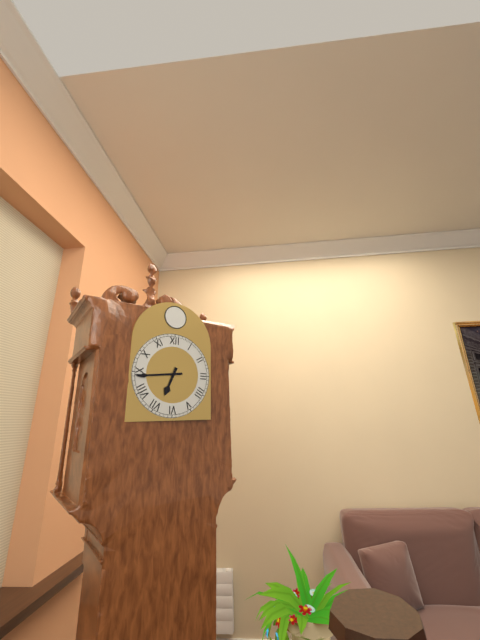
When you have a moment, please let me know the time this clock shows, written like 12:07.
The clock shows 6:44
